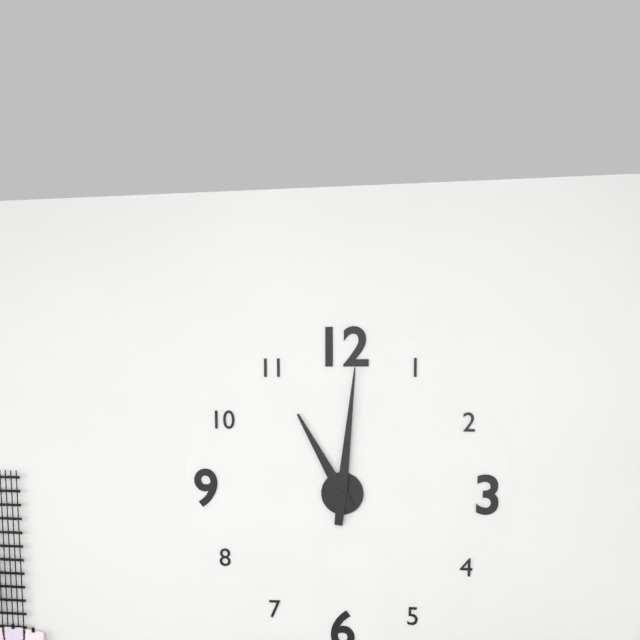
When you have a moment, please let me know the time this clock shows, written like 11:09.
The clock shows 11:01
